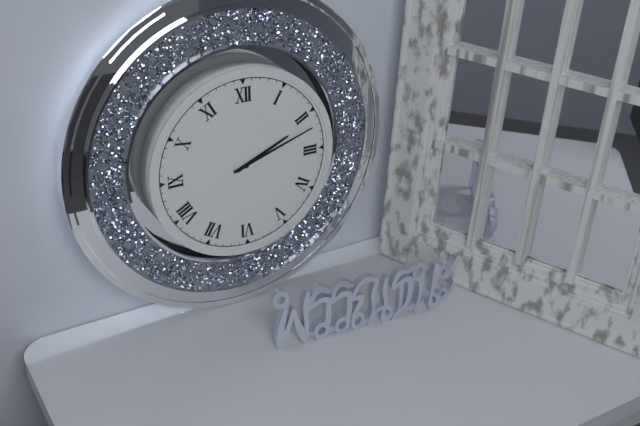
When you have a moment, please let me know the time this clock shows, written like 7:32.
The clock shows 2:12
